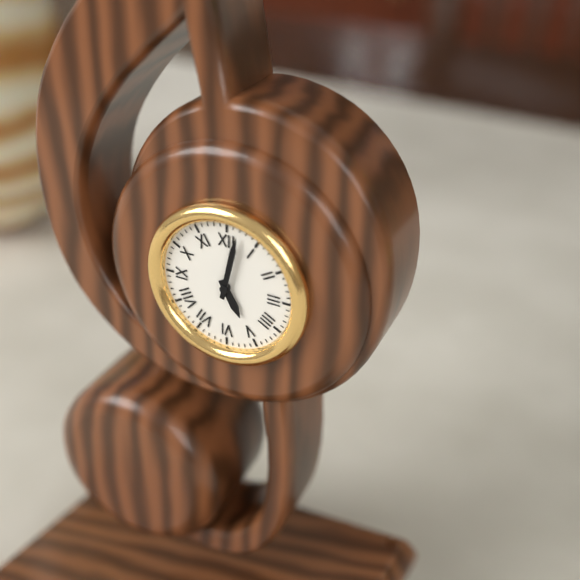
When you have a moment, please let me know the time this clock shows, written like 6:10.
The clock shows 5:02
